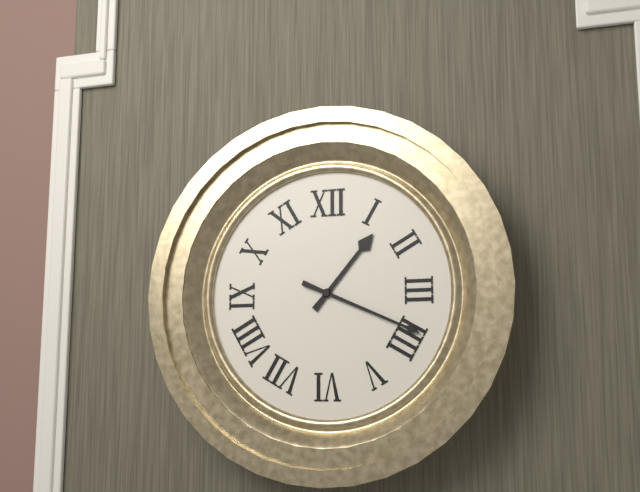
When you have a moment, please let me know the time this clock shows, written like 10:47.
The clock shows 1:19
